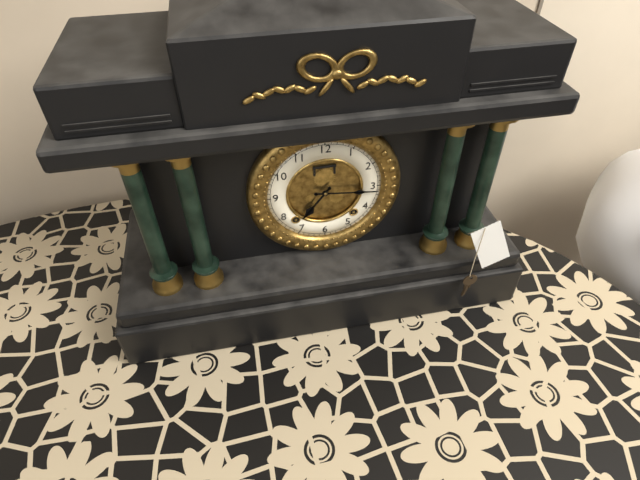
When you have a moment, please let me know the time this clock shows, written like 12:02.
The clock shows 7:16
